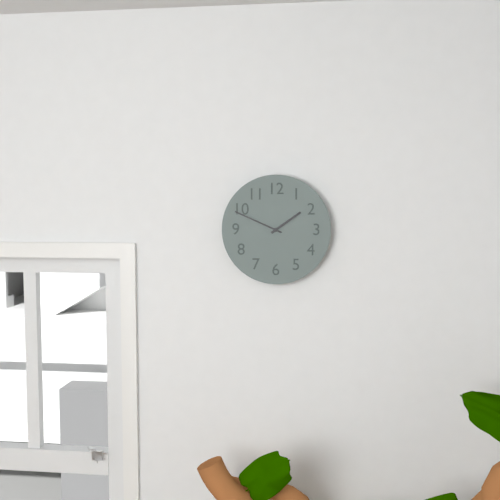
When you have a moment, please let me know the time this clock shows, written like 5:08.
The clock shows 1:49
